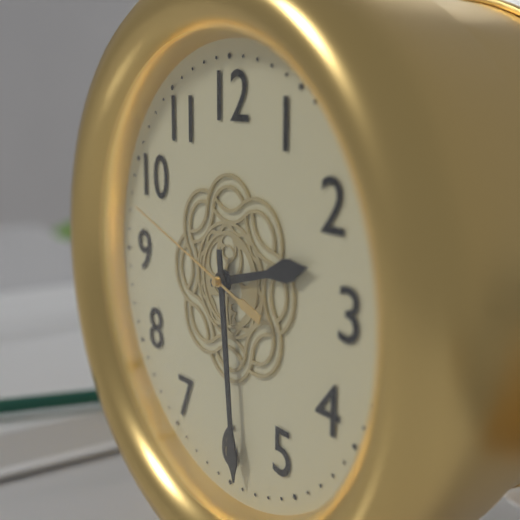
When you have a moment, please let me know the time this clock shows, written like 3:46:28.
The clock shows 2:29:48
